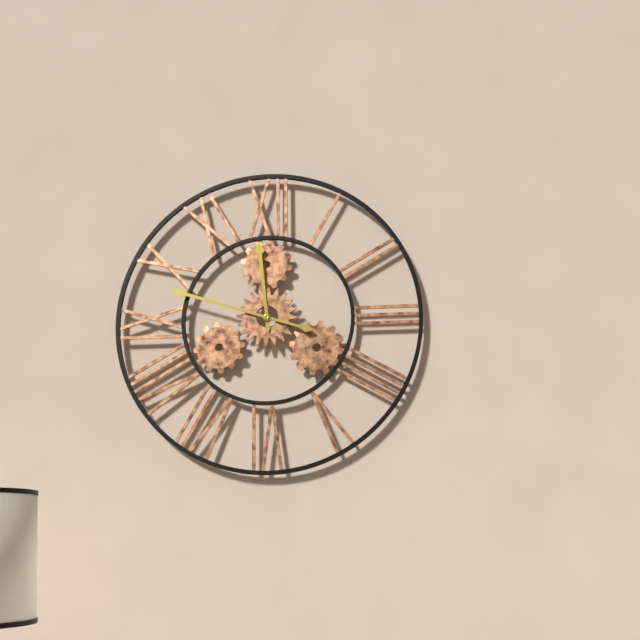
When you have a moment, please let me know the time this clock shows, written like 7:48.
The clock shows 11:48
